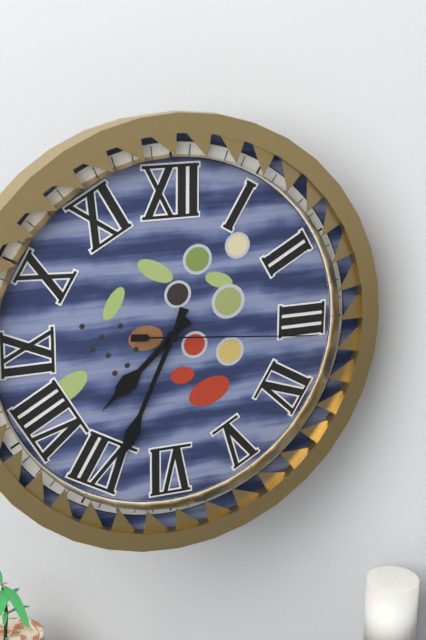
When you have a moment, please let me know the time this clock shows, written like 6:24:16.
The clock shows 7:34:16
